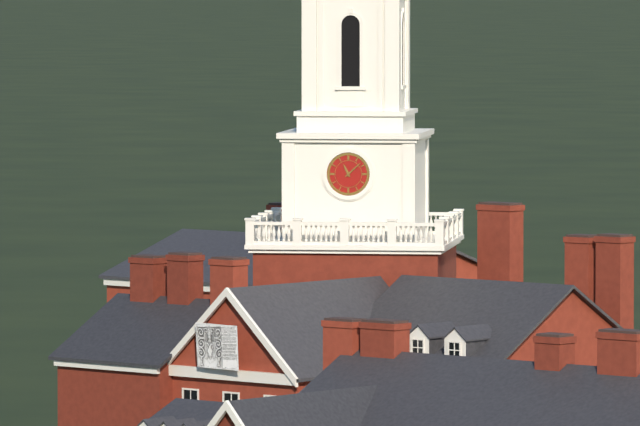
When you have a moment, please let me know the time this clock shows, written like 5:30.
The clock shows 11:08
